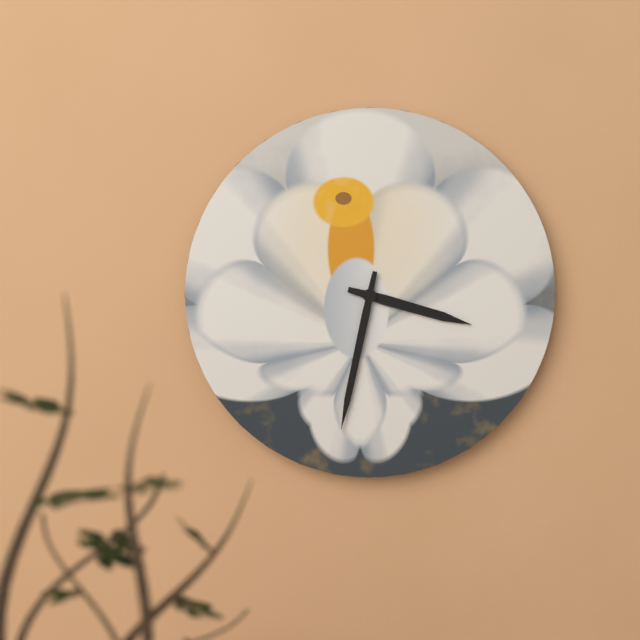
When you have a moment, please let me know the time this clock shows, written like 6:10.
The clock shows 3:32
